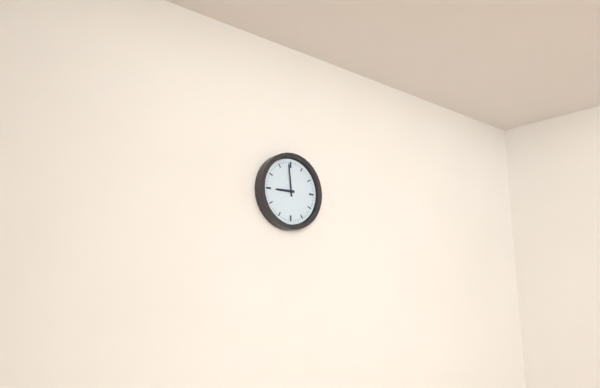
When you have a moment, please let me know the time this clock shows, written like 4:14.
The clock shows 8:59
